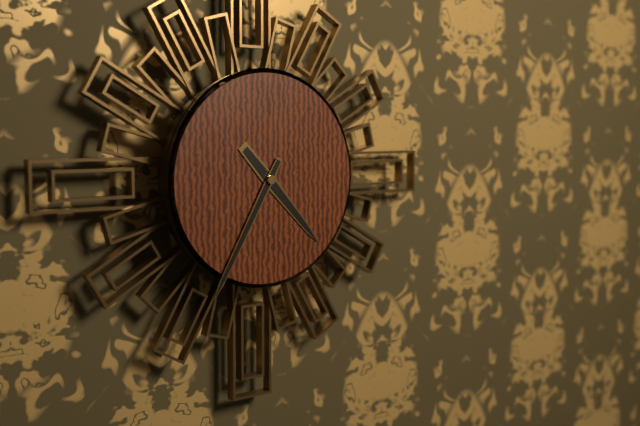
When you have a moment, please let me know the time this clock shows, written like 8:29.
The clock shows 4:35
